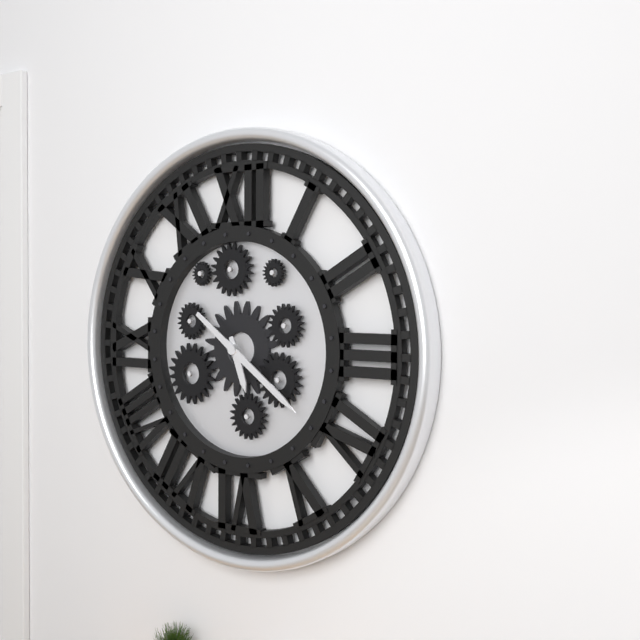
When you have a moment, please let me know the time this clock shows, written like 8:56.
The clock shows 5:21
